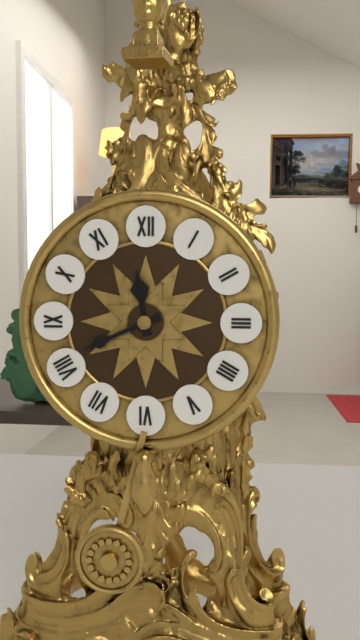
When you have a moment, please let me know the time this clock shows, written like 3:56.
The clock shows 11:41
